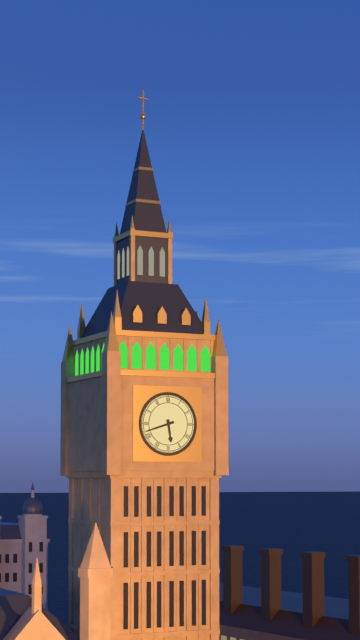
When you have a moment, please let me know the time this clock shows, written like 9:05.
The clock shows 5:42
